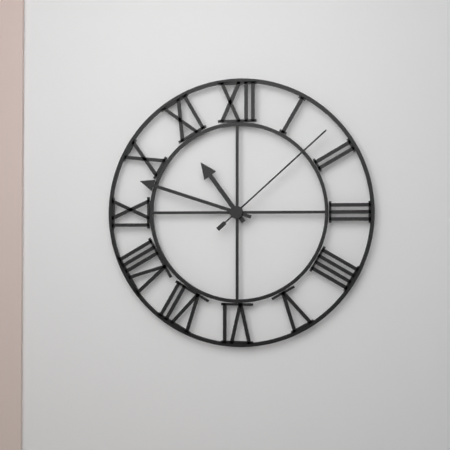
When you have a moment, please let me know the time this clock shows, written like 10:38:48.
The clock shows 10:48:08
